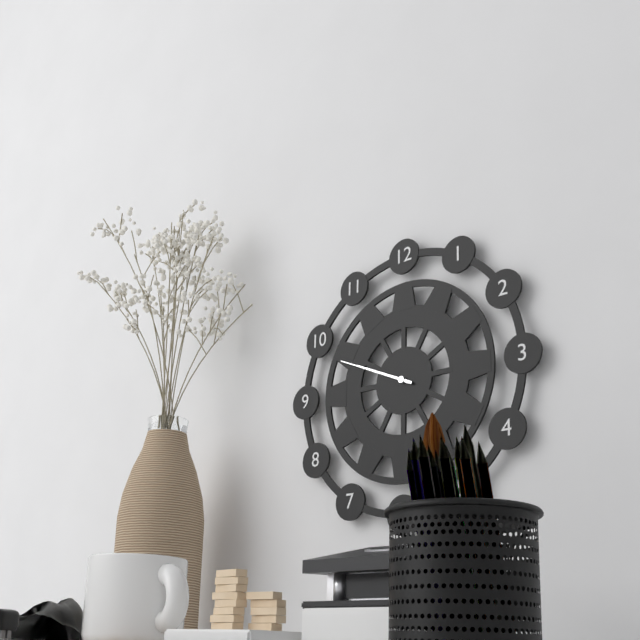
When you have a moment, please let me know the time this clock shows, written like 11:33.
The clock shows 9:49
